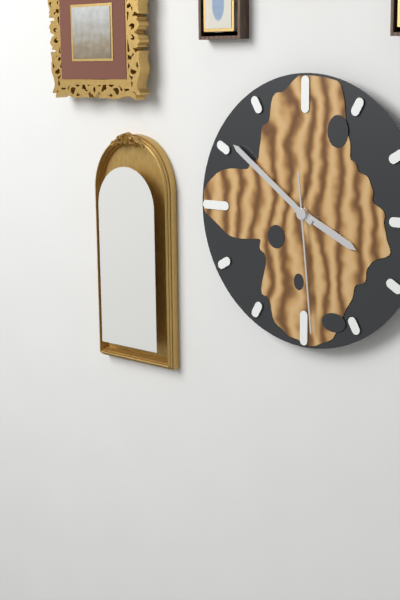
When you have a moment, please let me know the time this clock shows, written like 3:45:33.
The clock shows 3:51:29
